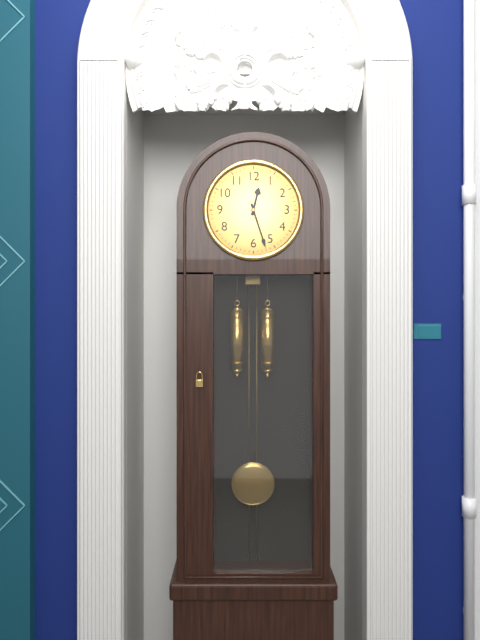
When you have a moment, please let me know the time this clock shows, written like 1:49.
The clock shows 12:27
